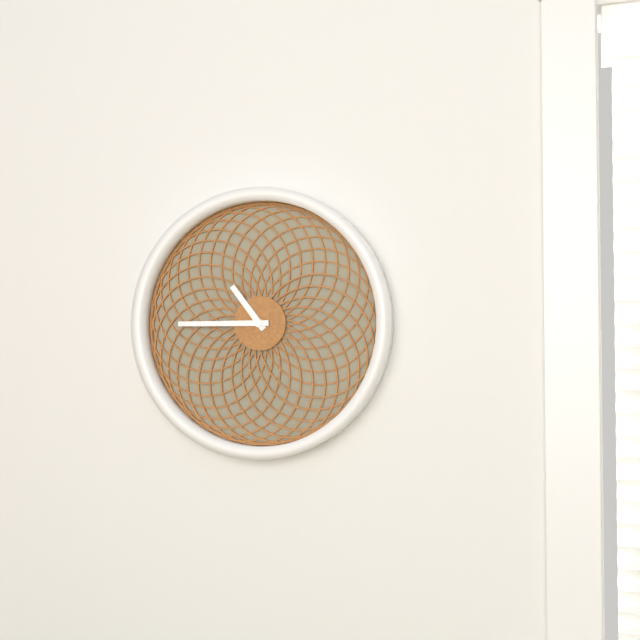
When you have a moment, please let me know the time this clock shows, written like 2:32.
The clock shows 10:45
